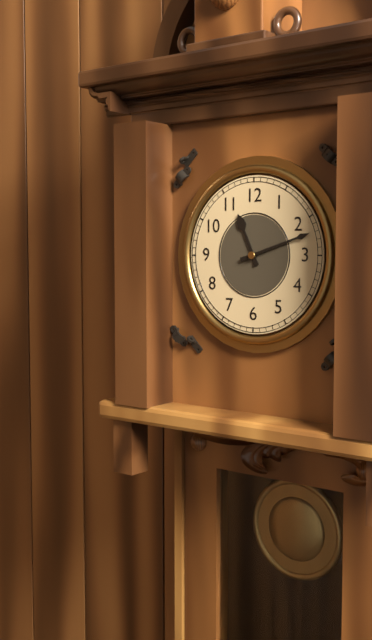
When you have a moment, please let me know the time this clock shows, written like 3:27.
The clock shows 11:12
